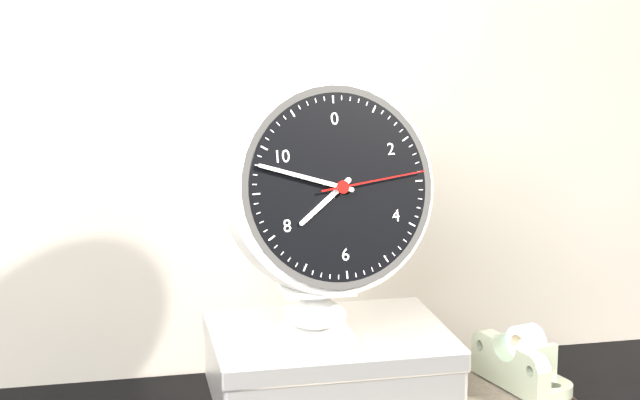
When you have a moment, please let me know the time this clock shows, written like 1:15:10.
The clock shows 7:48:14
